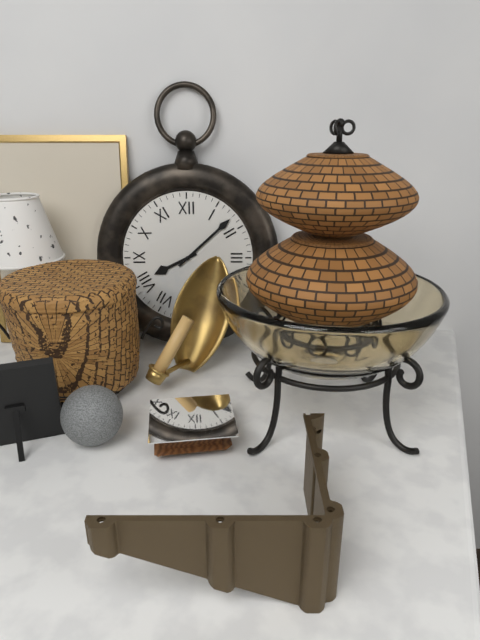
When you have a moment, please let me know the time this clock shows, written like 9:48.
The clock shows 8:08
